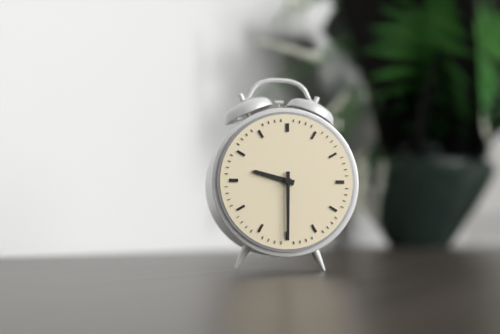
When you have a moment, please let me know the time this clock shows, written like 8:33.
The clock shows 9:30
